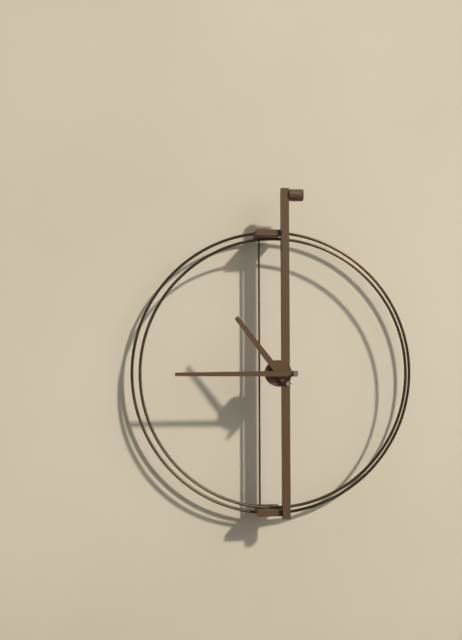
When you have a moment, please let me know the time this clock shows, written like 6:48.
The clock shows 10:45
